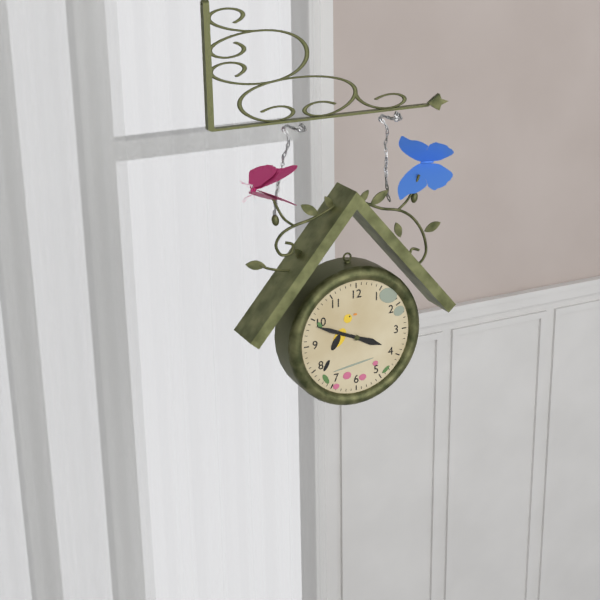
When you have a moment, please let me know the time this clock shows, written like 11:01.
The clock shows 3:49
